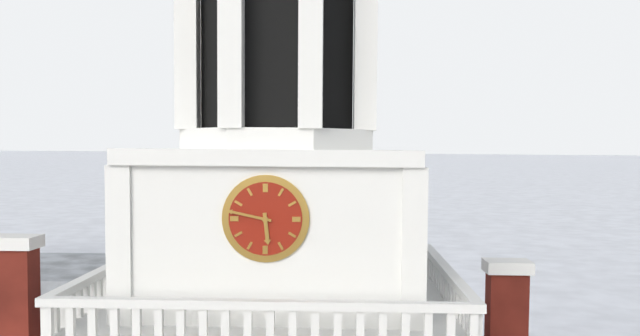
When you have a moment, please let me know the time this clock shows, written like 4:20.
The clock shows 5:47
